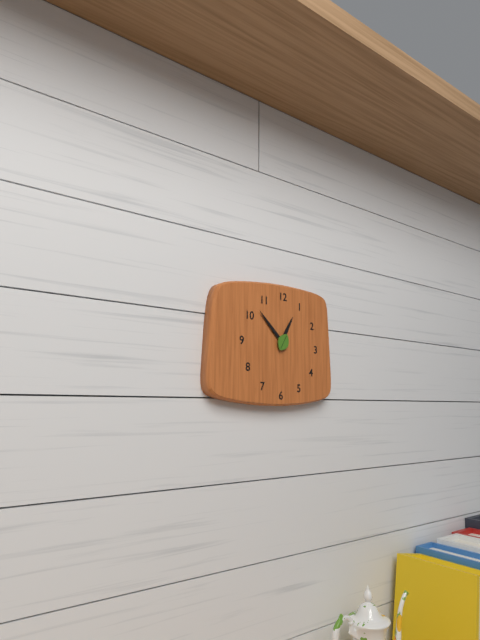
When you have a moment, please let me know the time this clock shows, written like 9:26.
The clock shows 12:52
